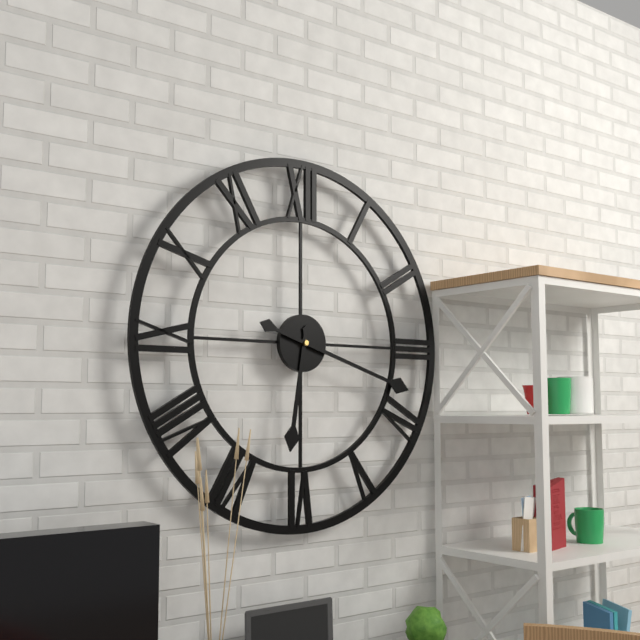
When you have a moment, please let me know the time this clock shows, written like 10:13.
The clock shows 6:18
